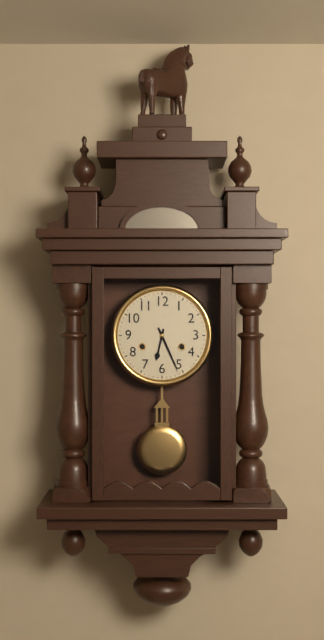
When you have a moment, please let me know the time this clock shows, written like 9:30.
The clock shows 6:26
